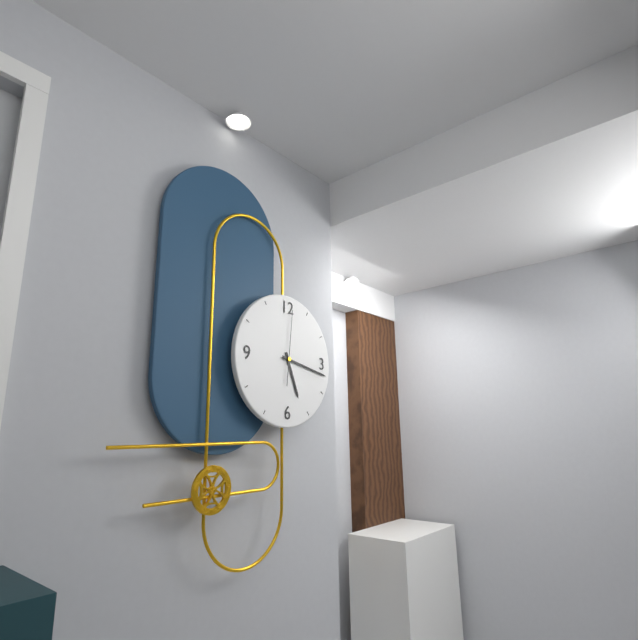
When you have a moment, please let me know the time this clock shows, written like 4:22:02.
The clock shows 5:17:01
